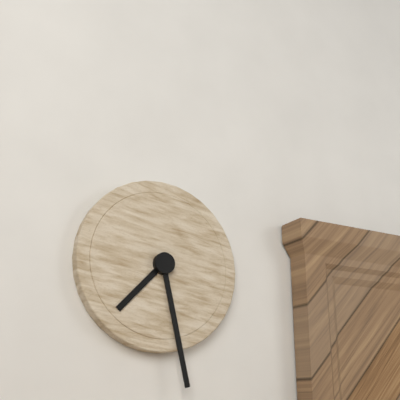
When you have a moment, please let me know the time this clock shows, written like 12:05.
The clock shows 7:28
